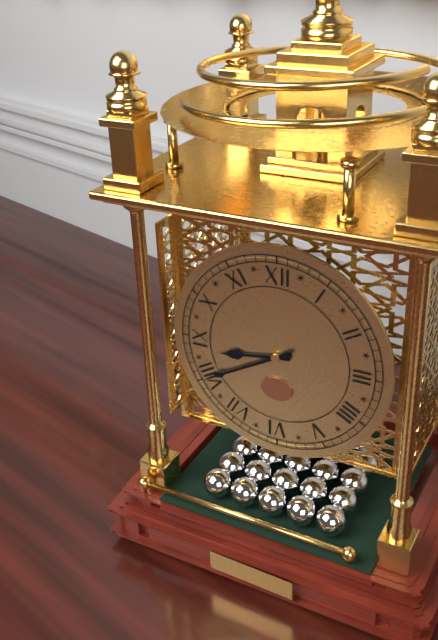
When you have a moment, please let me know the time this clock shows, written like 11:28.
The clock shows 8:40
